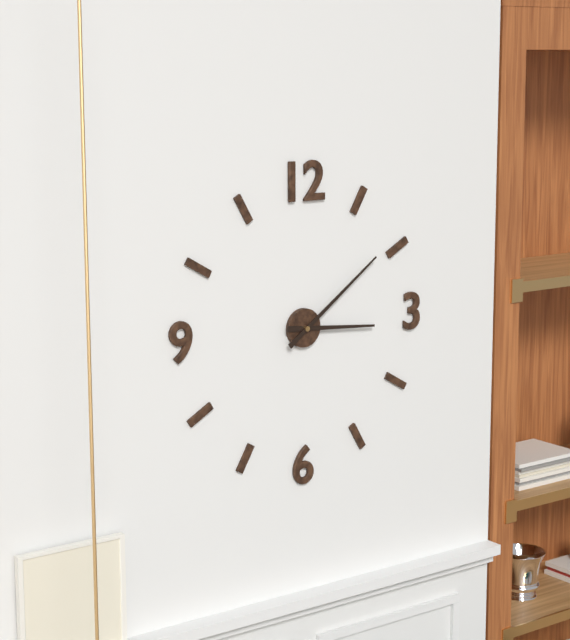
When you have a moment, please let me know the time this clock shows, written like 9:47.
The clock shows 3:09
